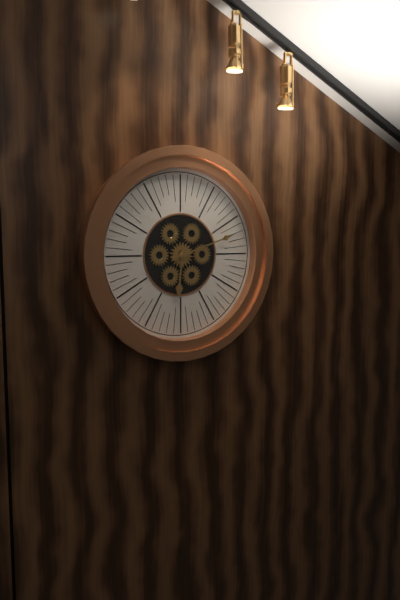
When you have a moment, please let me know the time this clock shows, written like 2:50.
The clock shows 6:12
